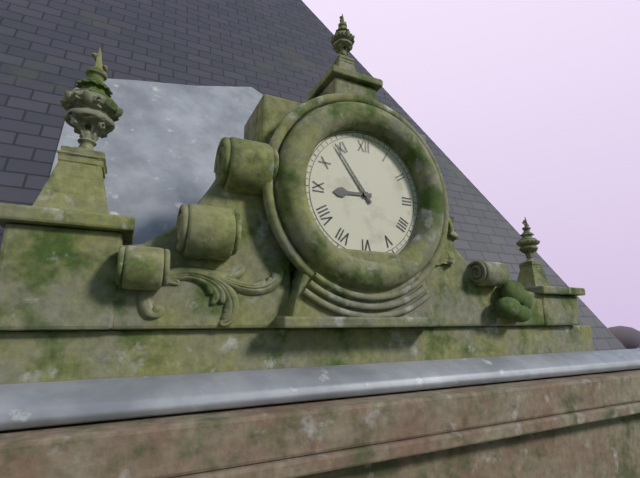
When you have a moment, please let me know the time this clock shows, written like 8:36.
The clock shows 8:54
